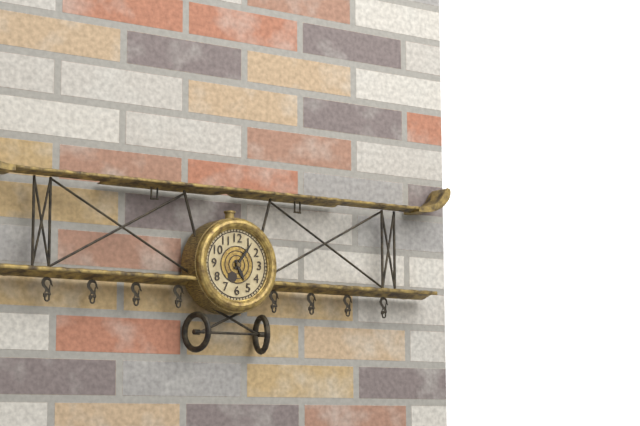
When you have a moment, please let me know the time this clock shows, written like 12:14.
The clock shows 5:06
